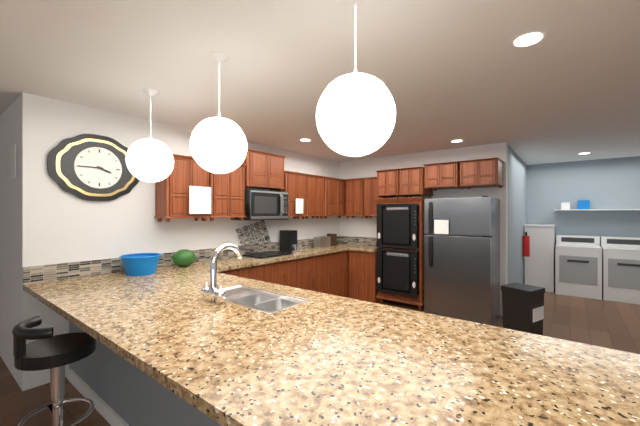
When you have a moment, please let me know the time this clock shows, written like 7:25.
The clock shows 3:45
